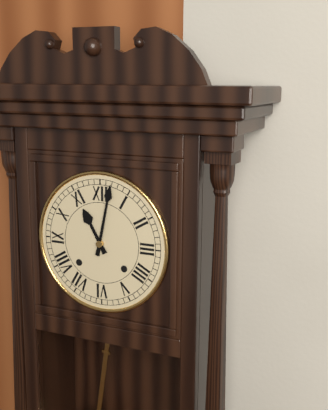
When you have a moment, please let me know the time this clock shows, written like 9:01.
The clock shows 11:02
